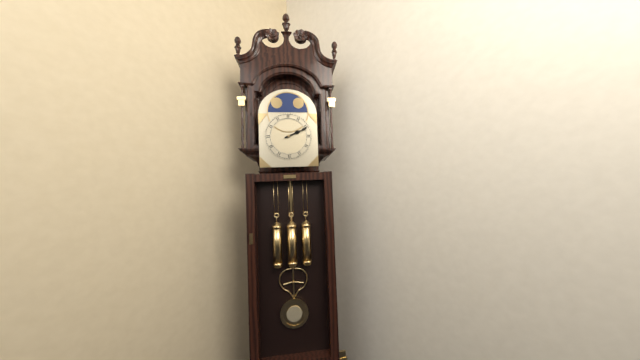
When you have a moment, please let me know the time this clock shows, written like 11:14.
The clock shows 2:11
